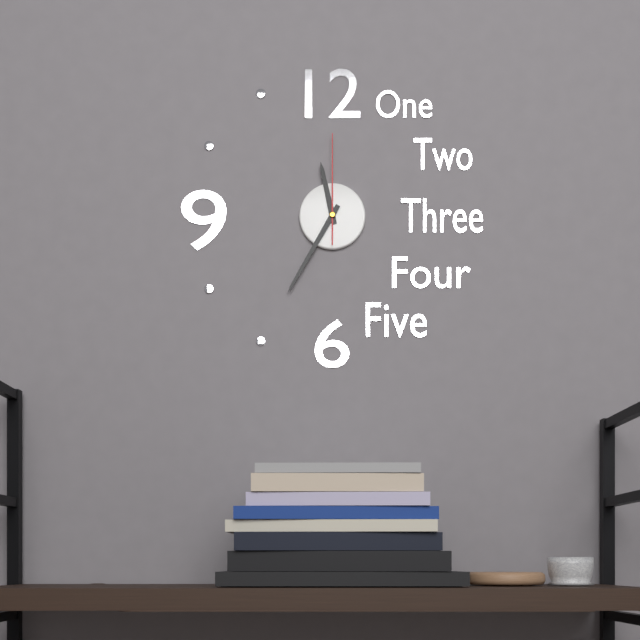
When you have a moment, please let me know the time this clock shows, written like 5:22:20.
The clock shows 11:35:00
